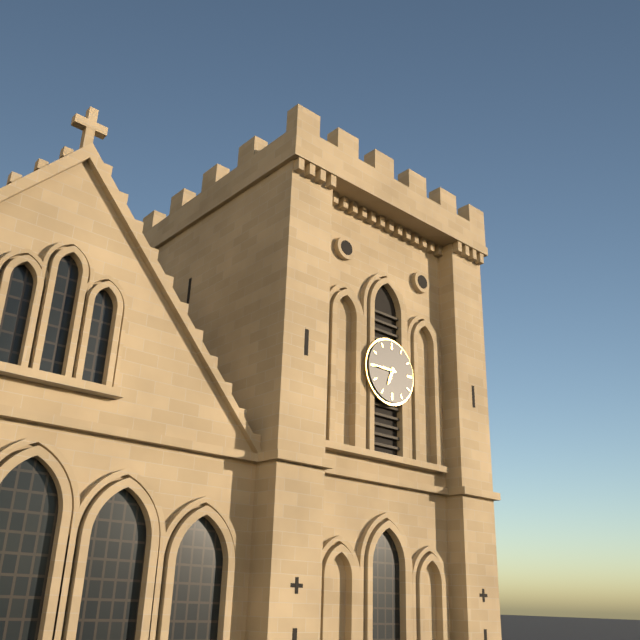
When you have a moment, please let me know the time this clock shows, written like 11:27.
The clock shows 6:45
